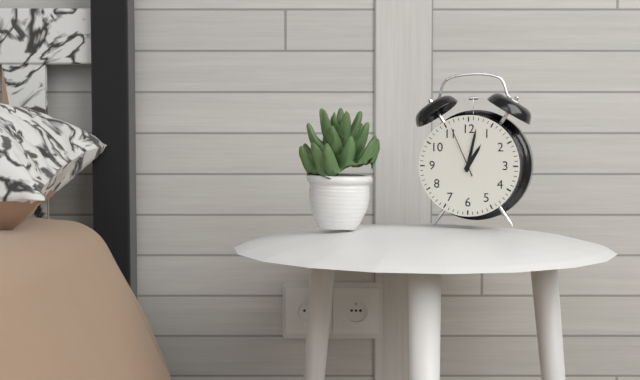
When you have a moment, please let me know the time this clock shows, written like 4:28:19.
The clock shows 1:02:56
